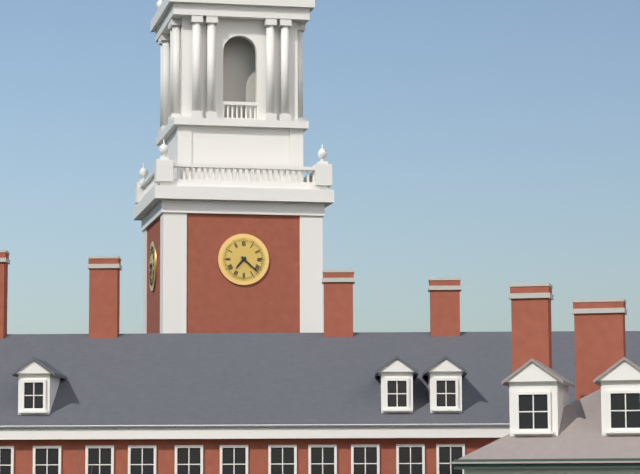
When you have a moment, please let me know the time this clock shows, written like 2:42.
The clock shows 7:22
